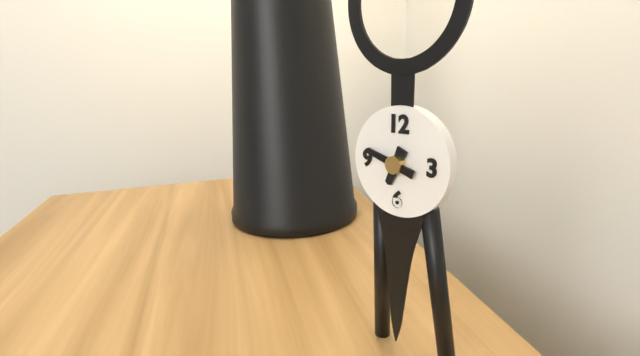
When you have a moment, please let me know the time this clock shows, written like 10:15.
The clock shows 6:48
